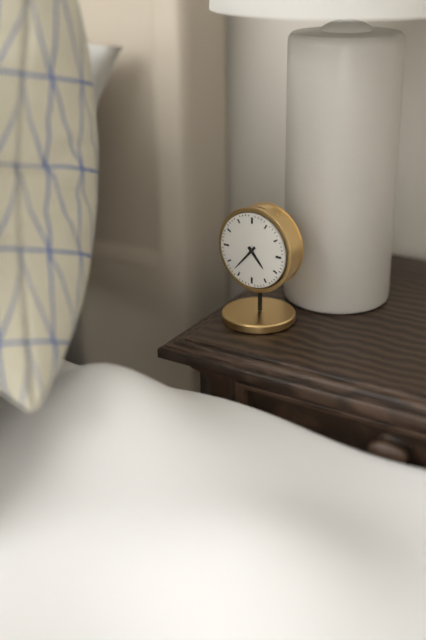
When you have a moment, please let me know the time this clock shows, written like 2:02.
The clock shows 4:37
